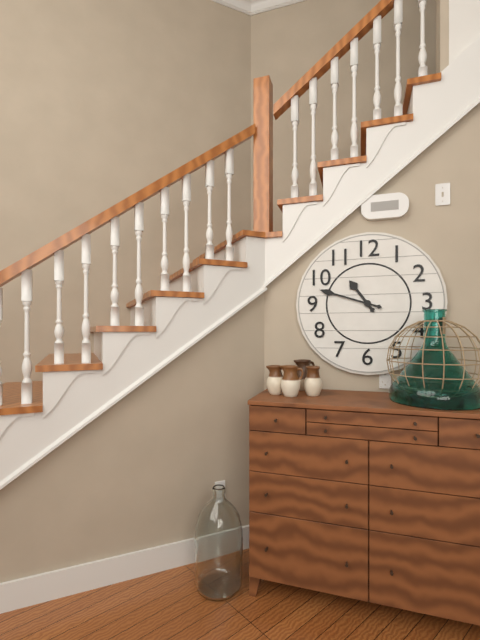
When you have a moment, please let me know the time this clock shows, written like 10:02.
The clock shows 10:48
